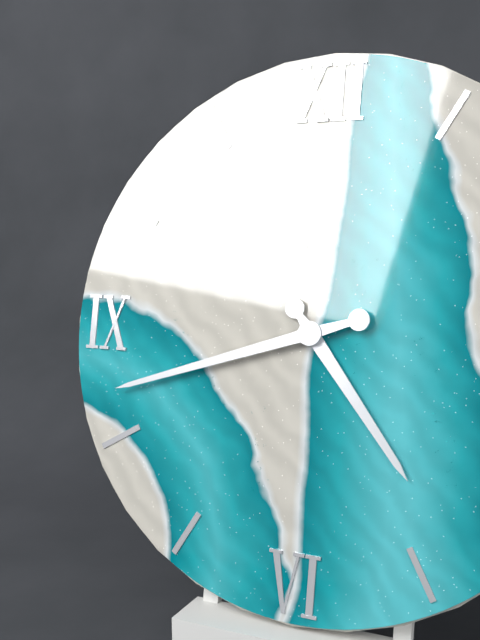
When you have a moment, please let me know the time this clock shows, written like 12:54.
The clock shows 4:42
